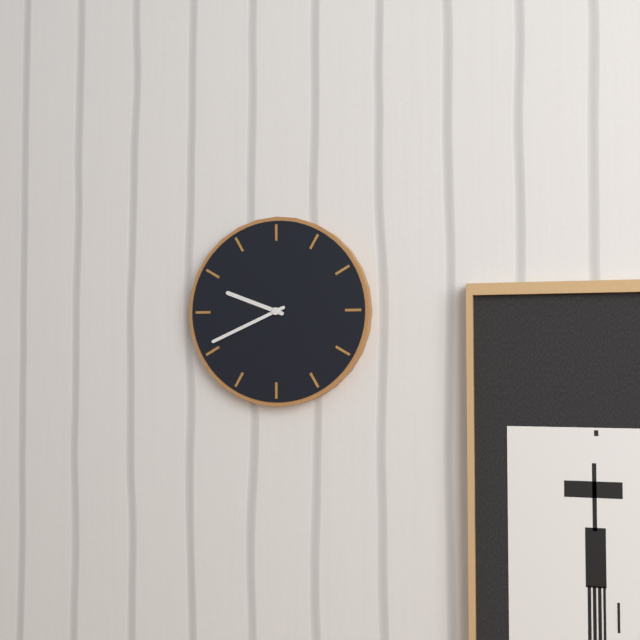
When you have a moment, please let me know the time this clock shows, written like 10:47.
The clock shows 9:41
